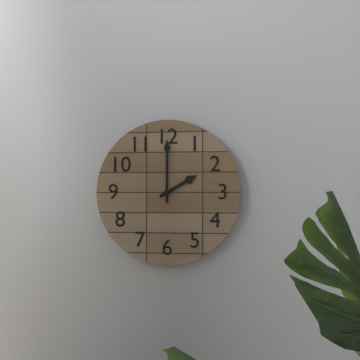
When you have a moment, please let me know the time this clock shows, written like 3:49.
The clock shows 2:00
